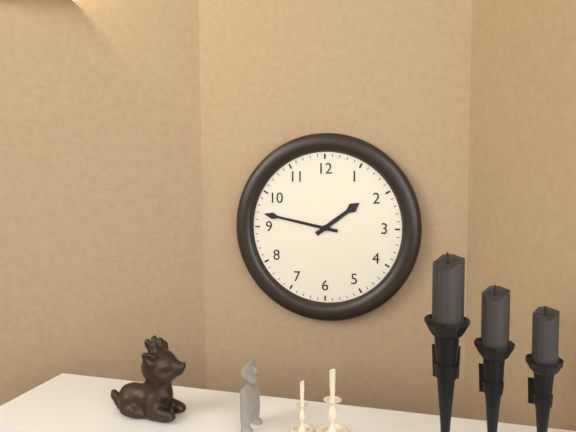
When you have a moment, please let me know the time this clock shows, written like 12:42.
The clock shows 1:47
